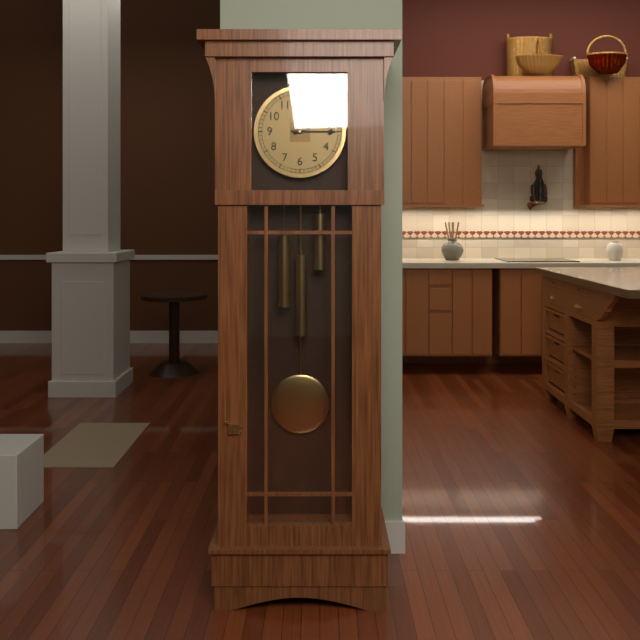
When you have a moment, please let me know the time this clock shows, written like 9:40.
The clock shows 2:15
